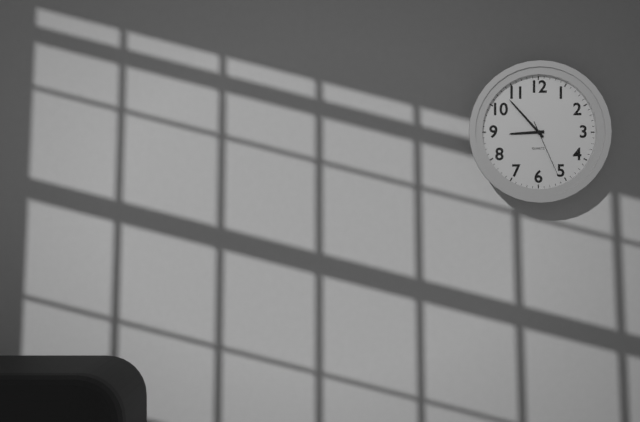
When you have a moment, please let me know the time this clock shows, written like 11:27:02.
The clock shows 8:53:26
